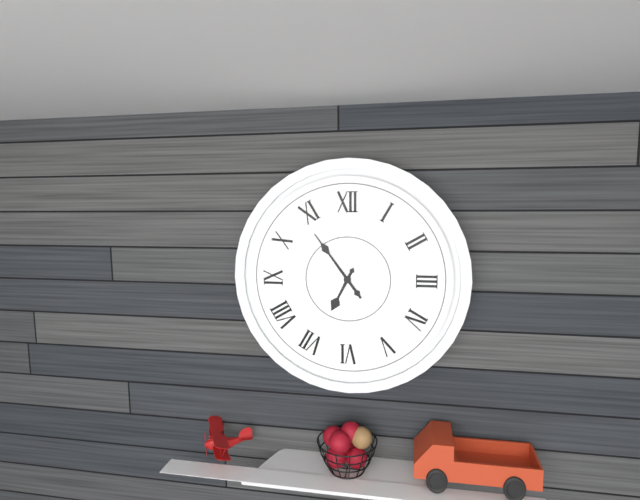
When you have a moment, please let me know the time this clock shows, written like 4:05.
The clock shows 6:54
